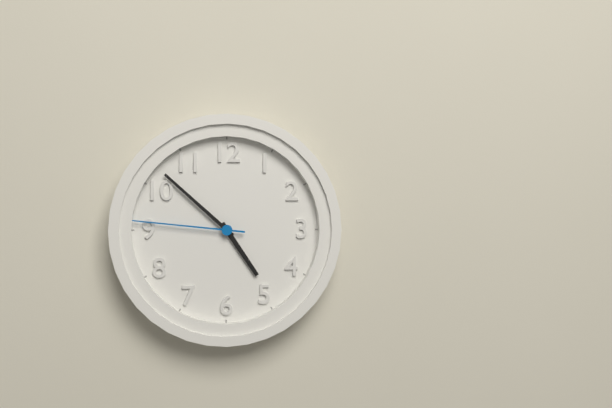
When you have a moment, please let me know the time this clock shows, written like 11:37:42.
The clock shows 4:52:46
